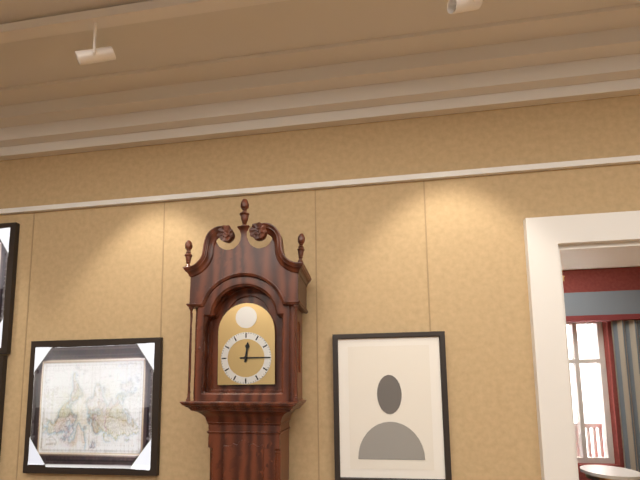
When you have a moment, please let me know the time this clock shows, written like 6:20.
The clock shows 12:15
